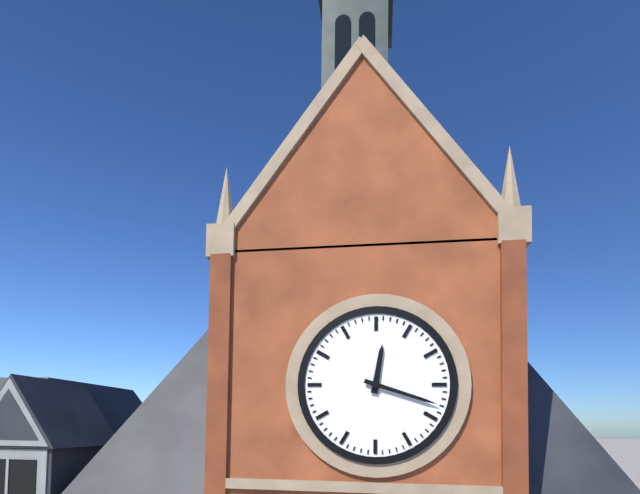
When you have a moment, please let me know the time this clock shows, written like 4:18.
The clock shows 12:18
